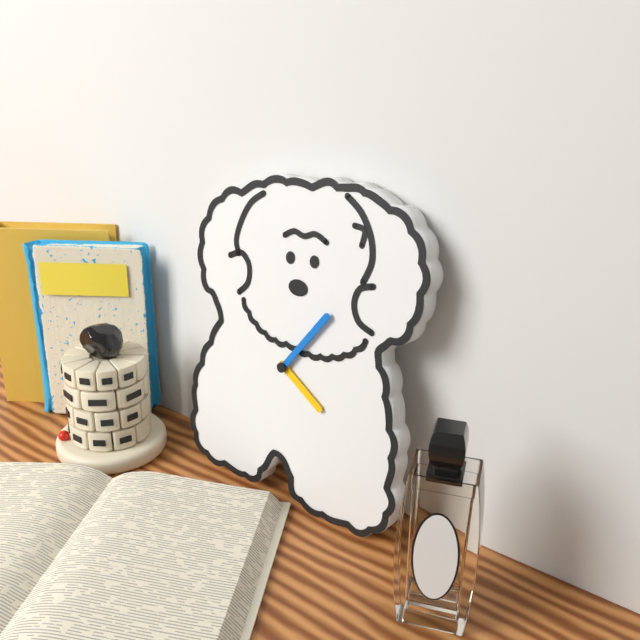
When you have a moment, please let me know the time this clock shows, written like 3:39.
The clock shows 4:06
